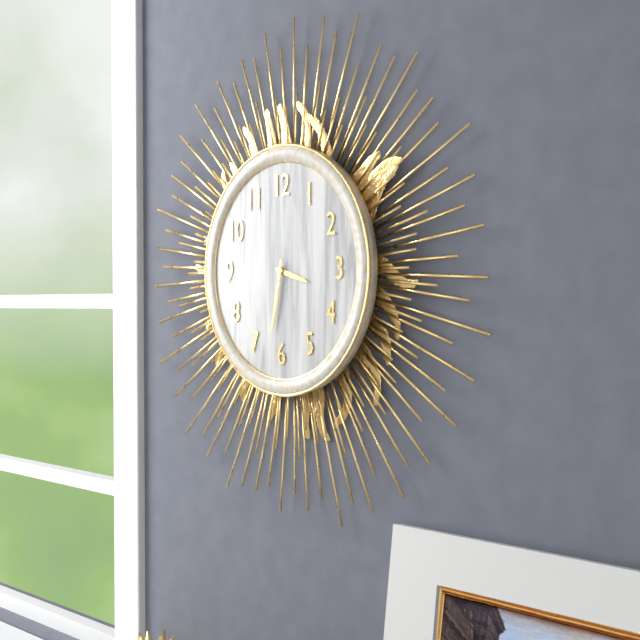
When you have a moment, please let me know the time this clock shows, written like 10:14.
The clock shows 3:32
